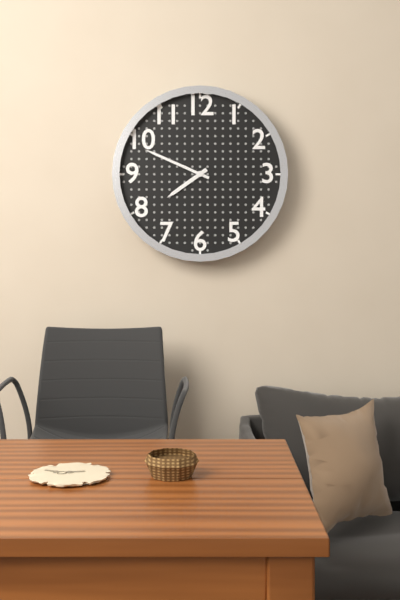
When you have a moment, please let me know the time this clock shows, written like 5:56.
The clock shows 7:49
